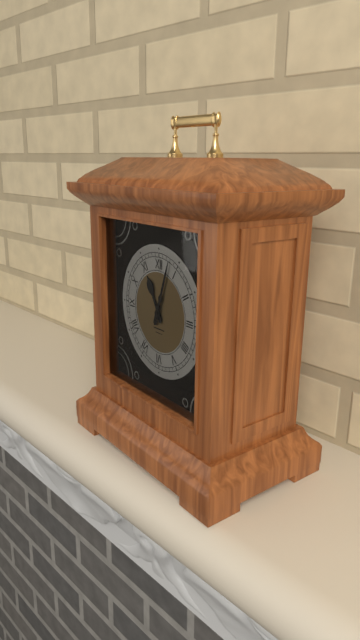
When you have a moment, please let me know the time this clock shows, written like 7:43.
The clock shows 11:03
